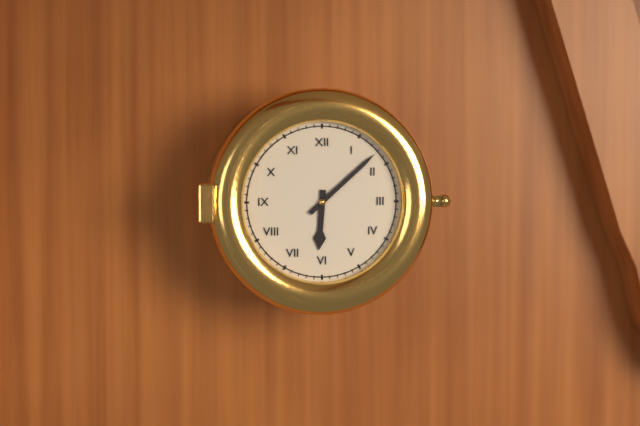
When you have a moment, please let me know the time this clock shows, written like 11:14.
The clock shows 6:08
